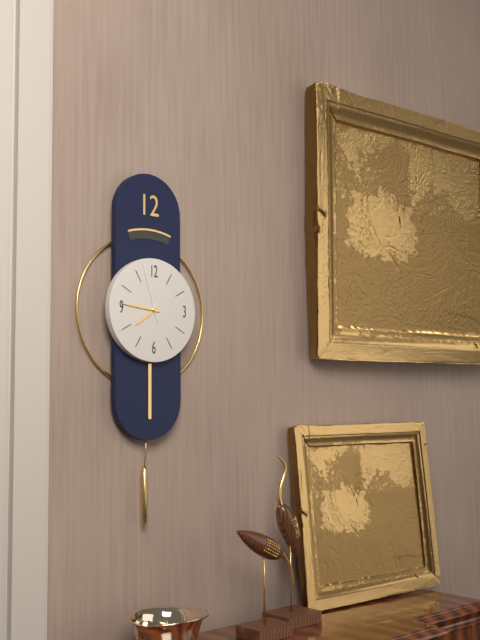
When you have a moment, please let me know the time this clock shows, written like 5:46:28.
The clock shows 7:46:57
